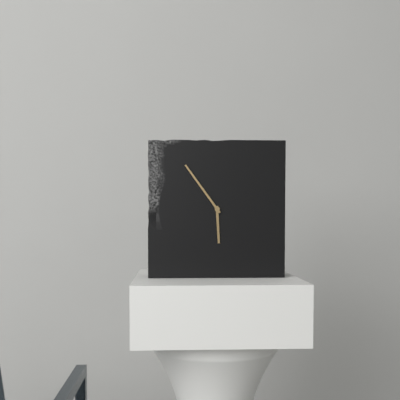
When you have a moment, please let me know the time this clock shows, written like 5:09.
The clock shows 5:54
